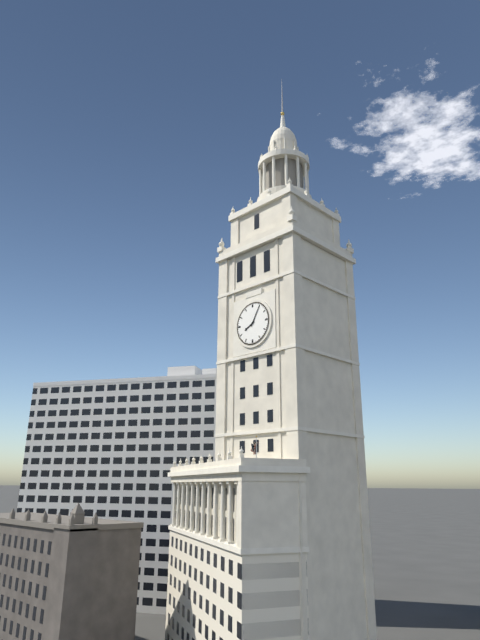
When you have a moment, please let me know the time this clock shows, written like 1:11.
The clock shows 8:05
